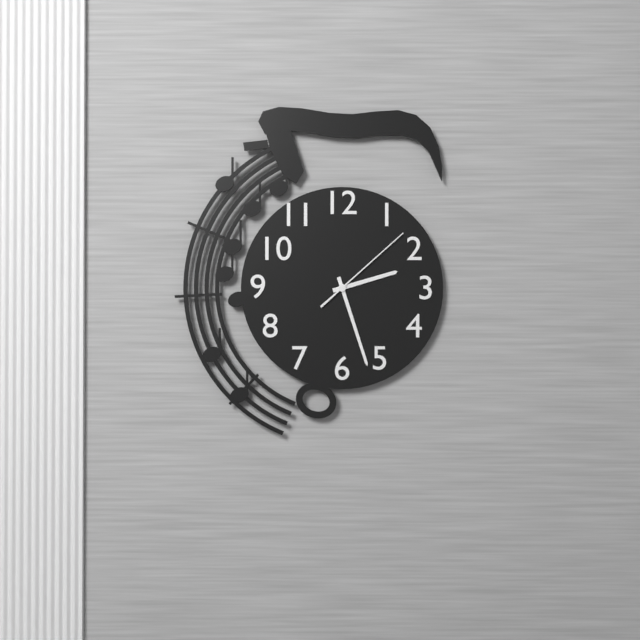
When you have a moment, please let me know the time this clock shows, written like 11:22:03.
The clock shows 2:27:08
